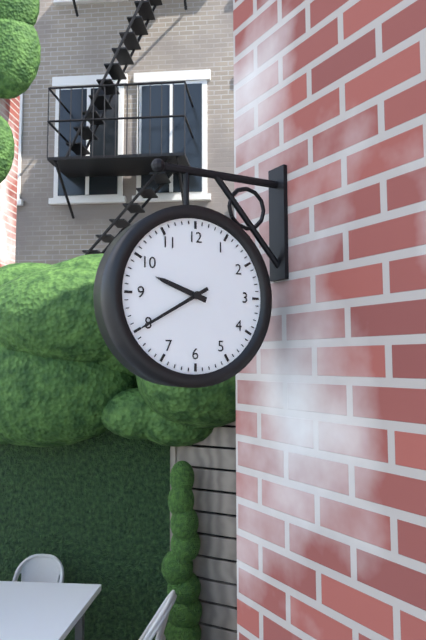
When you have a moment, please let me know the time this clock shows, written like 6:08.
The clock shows 9:40
